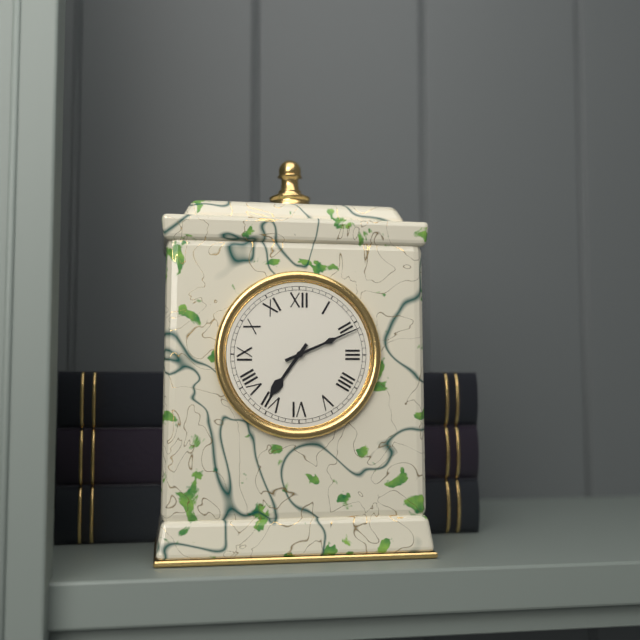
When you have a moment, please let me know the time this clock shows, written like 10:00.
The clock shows 7:11
